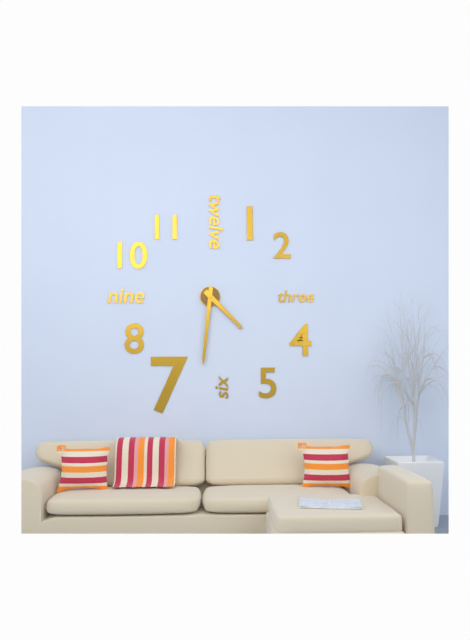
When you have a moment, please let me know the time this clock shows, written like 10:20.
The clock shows 4:31
